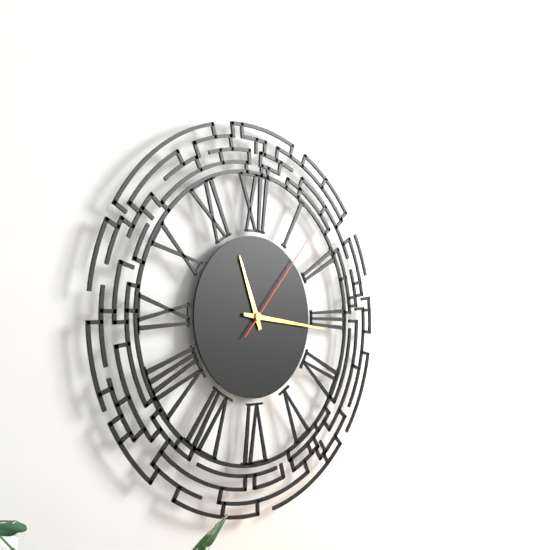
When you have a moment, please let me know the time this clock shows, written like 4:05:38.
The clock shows 11:16:07
